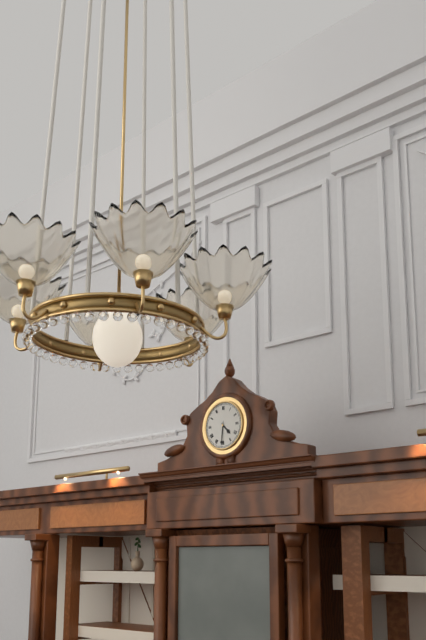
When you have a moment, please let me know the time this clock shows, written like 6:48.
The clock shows 4:31
